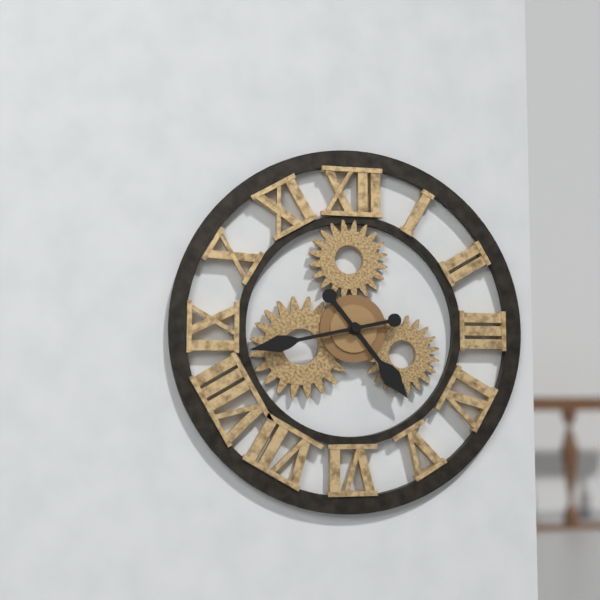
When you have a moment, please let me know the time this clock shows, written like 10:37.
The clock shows 4:43
